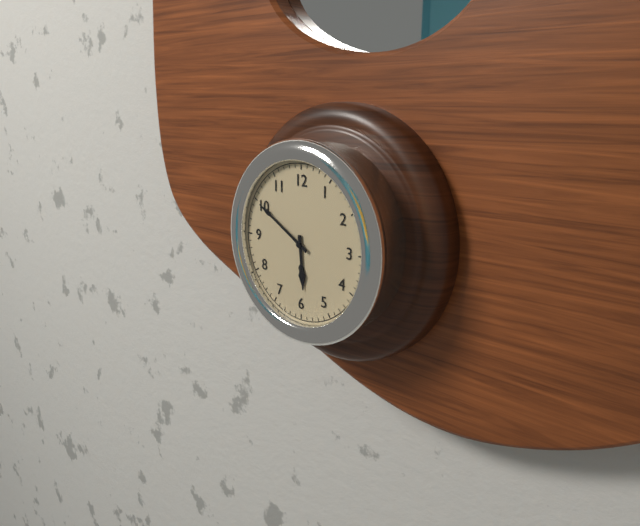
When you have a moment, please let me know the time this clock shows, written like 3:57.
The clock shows 5:50
